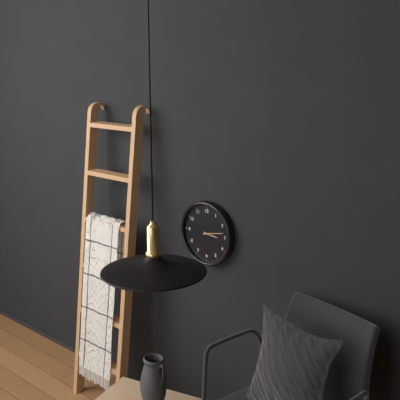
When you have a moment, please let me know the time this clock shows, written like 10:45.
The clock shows 3:13
